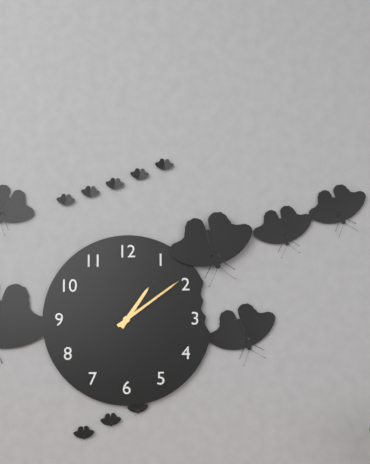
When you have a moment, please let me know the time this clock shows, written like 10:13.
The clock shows 1:09
